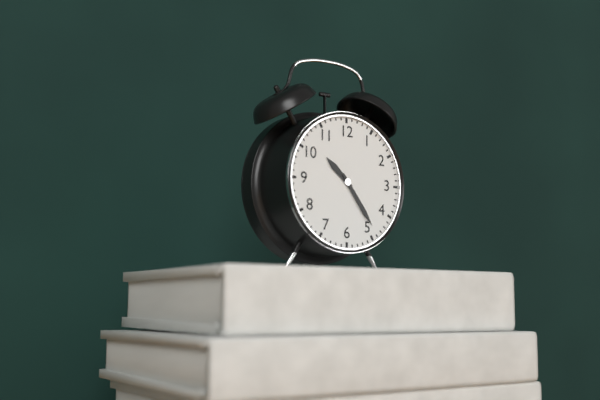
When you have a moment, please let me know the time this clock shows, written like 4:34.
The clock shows 10:24
